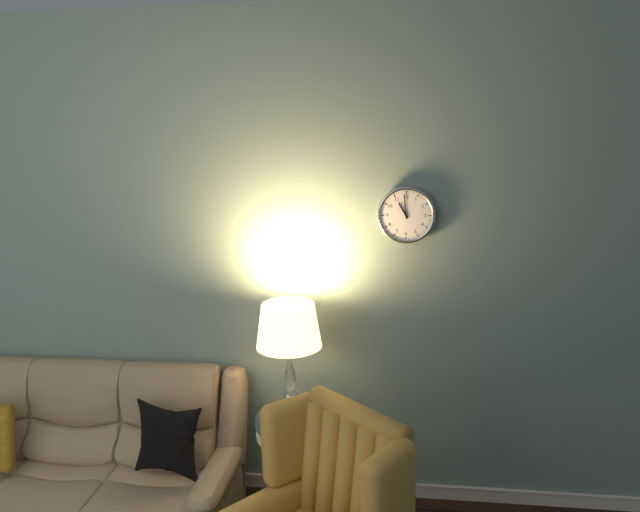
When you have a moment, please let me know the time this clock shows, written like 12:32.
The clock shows 10:59
